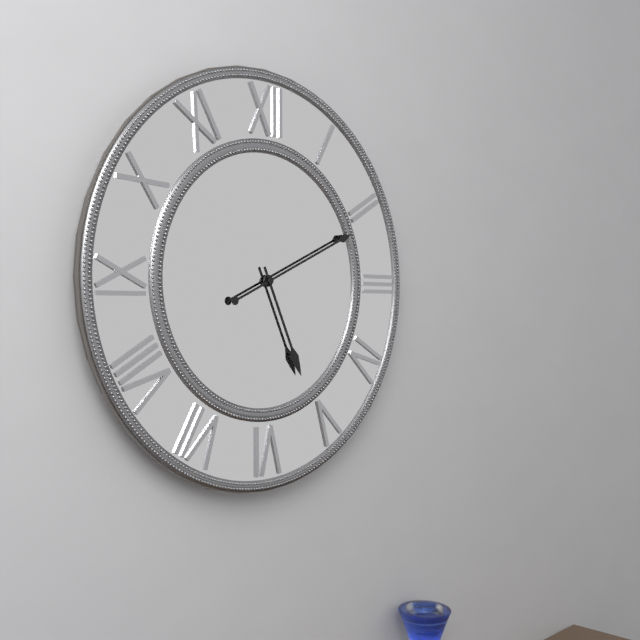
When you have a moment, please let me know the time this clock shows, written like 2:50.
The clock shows 5:11
